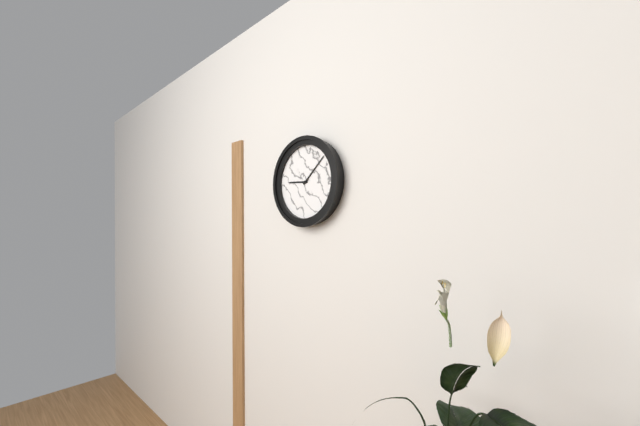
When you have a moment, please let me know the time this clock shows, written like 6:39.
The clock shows 9:08
